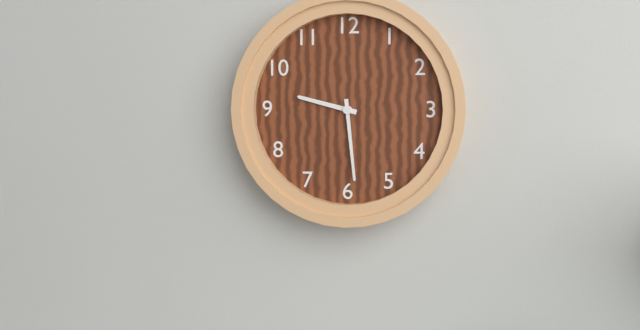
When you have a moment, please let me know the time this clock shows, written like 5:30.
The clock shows 9:29
